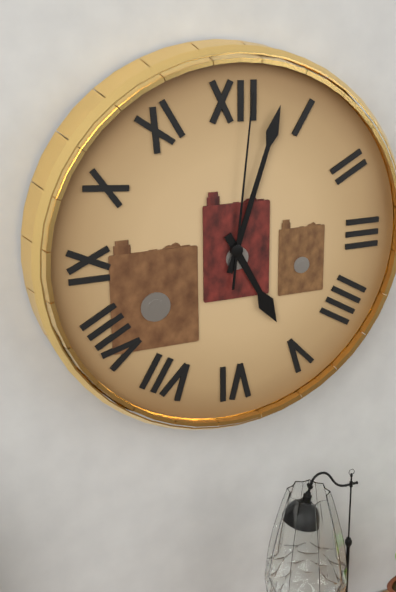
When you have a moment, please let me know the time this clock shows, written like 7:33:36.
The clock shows 5:03:01
